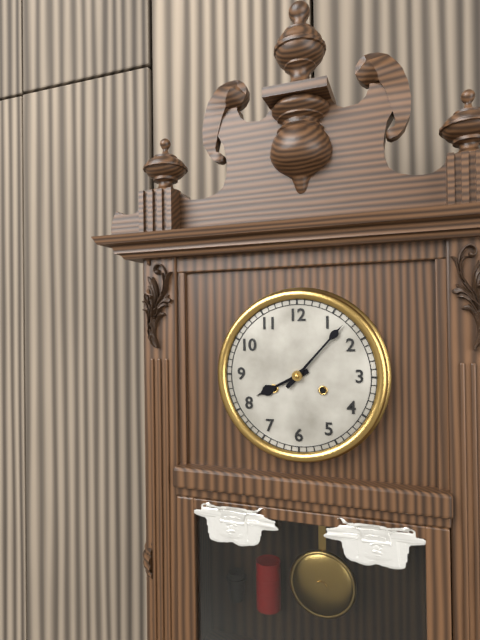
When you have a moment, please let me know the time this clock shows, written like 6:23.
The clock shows 8:07
